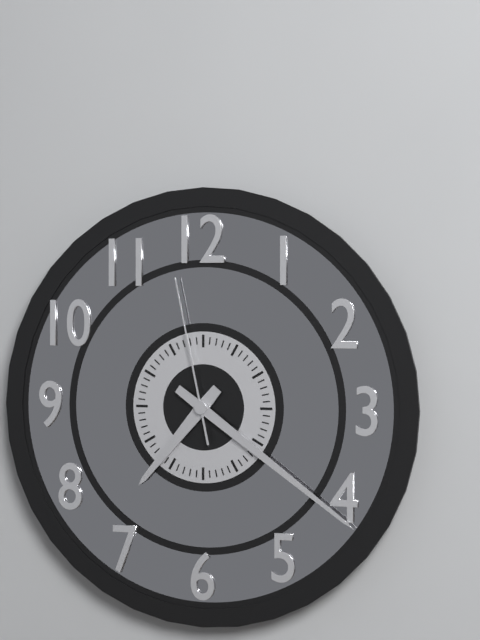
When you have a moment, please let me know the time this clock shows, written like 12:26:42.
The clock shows 7:21:58
